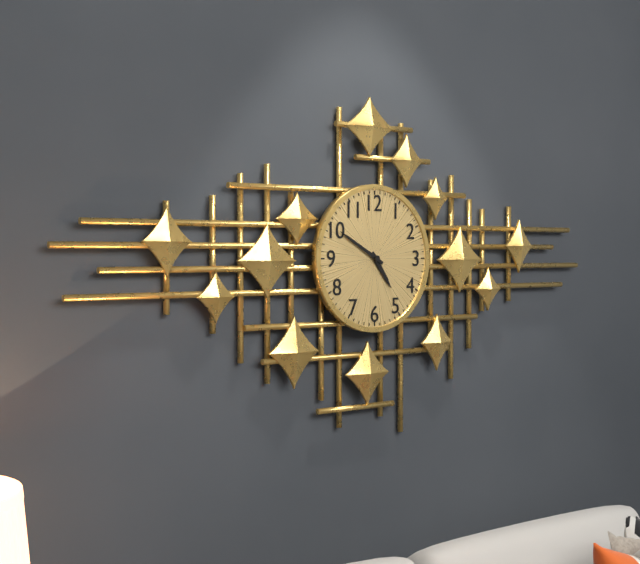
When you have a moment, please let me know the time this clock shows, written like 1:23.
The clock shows 4:50
